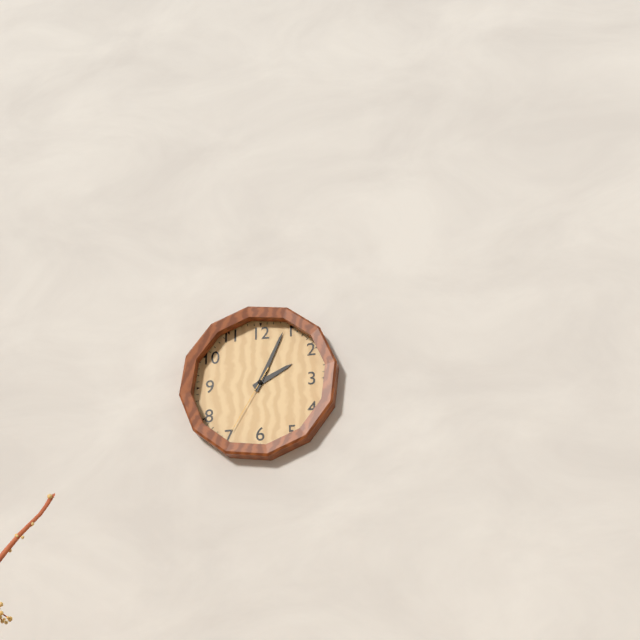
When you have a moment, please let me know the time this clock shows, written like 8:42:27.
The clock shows 2:04:35
